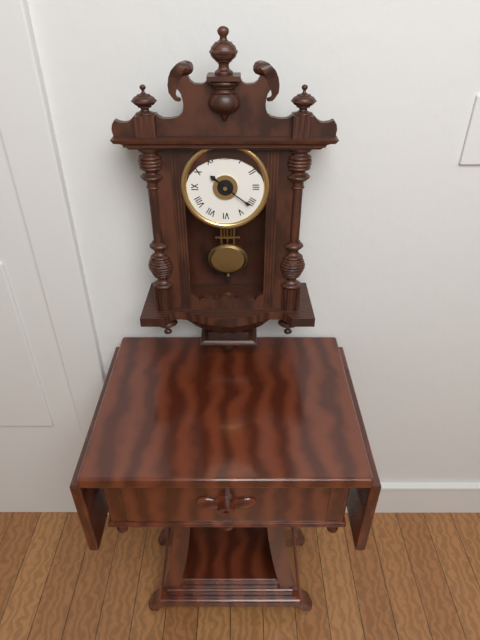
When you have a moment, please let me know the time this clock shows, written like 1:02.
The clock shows 10:21
